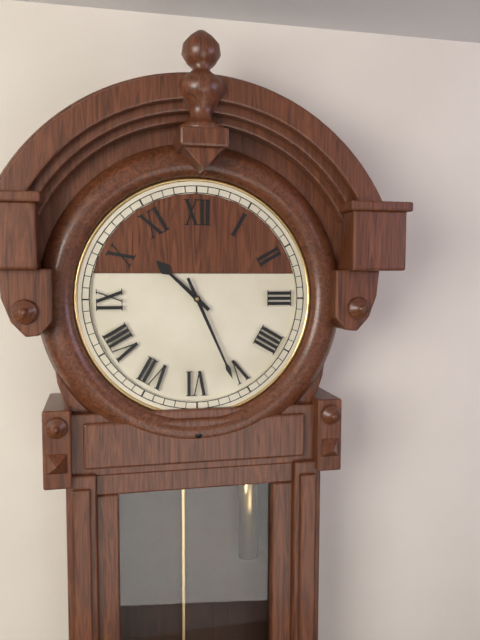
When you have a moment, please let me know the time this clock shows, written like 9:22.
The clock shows 10:26
